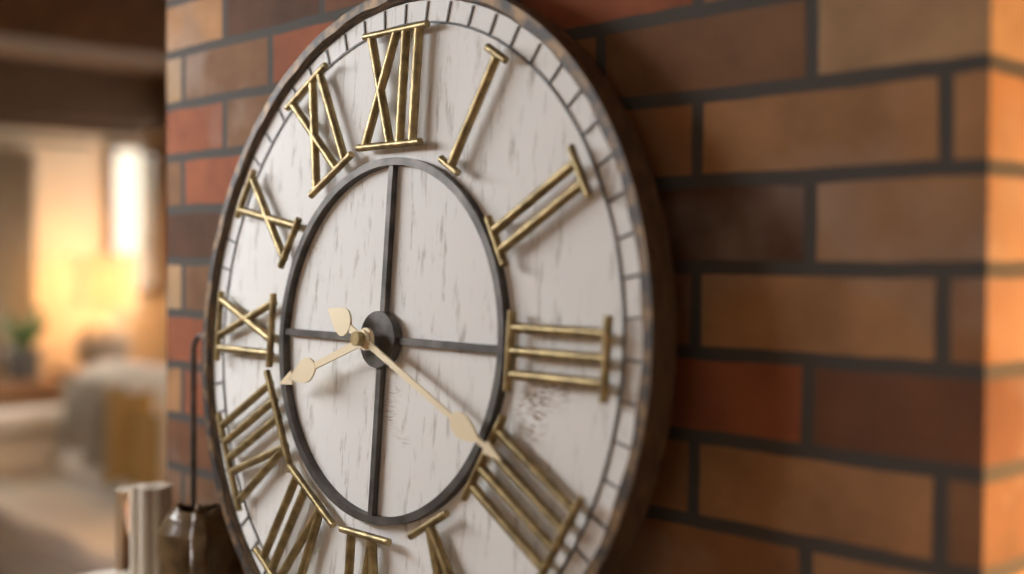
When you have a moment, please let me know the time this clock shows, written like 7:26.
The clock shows 8:19
